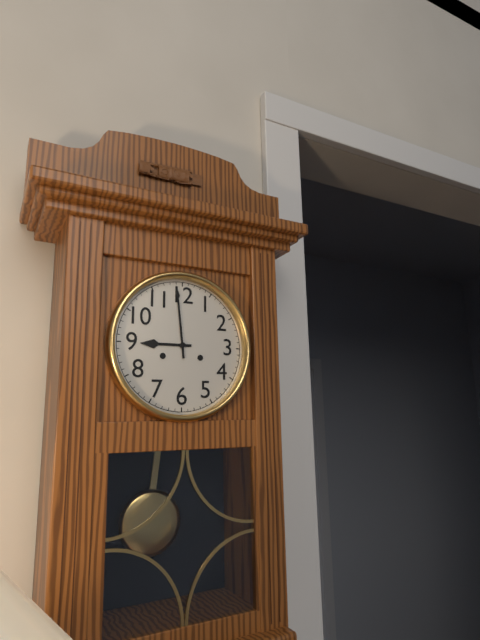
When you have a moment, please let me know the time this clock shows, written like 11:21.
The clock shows 8:59
